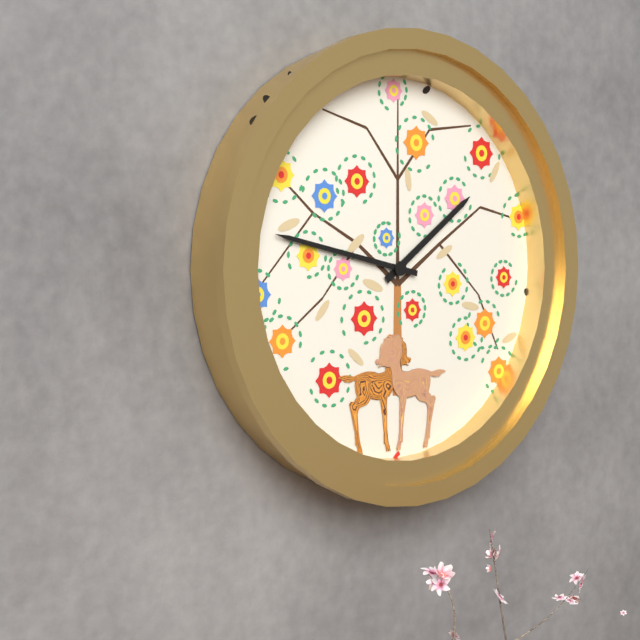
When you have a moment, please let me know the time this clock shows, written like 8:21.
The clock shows 1:47
